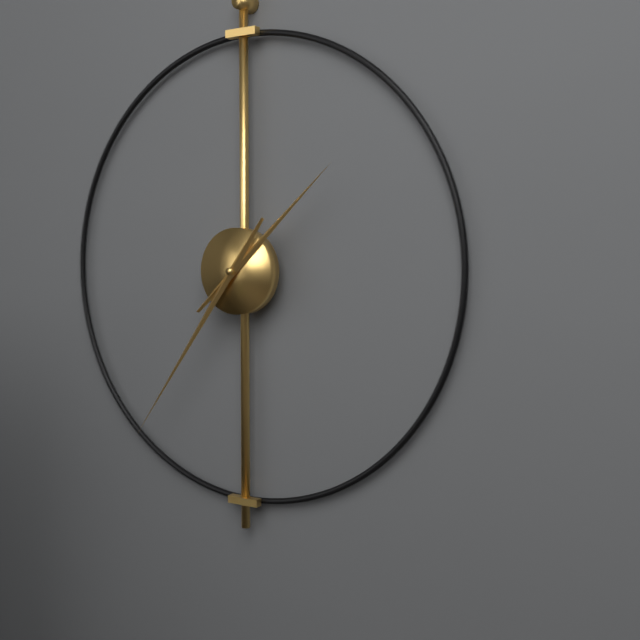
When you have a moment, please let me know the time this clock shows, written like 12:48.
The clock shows 1:36
